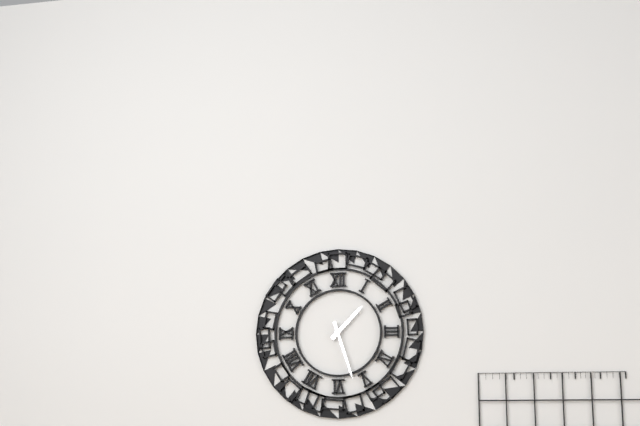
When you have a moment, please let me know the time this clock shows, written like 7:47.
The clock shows 1:27
